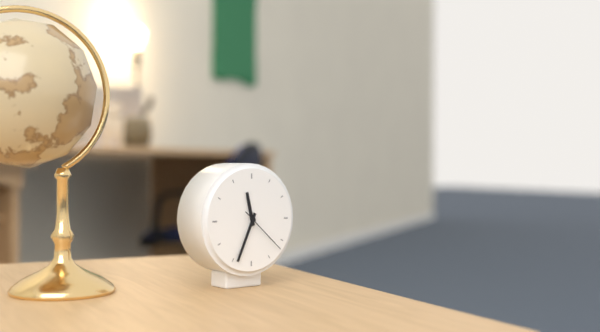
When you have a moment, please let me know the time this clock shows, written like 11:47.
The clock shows 11:34
